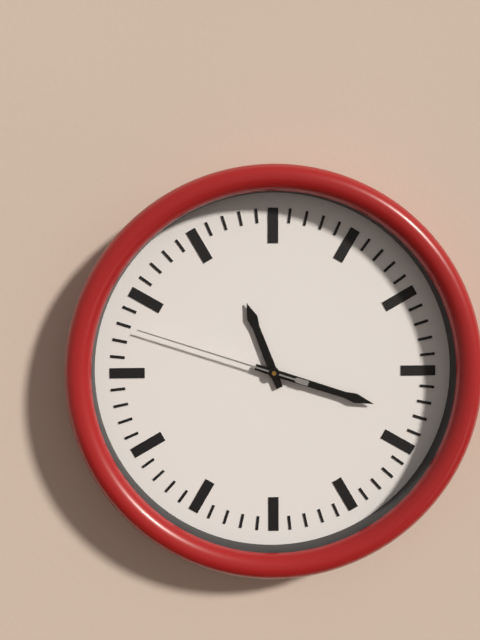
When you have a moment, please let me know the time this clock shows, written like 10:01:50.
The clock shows 11:18:48
